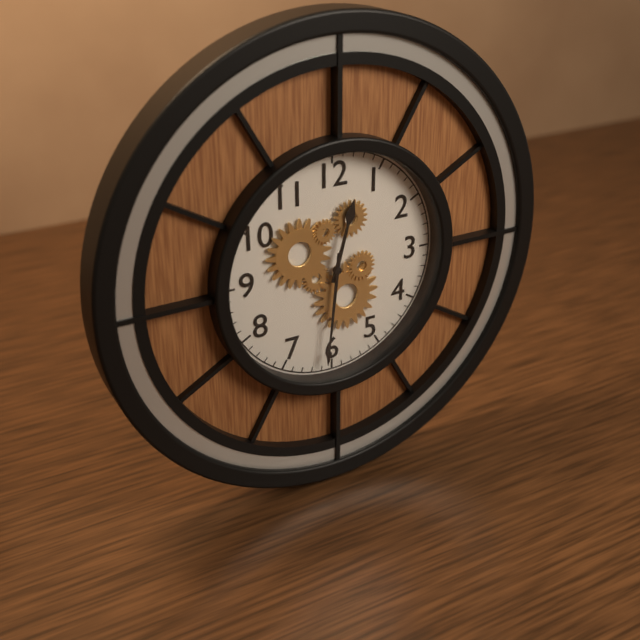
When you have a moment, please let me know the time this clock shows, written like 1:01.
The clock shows 12:31
